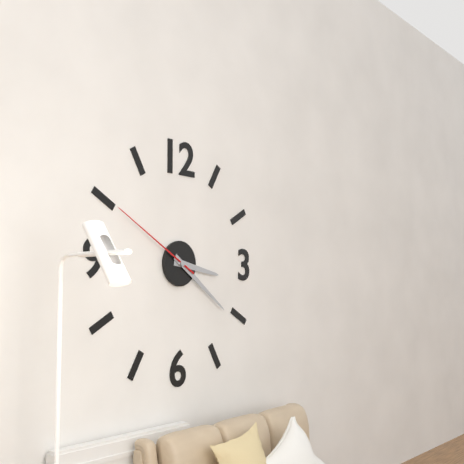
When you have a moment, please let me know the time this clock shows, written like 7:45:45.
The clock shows 3:21:50
